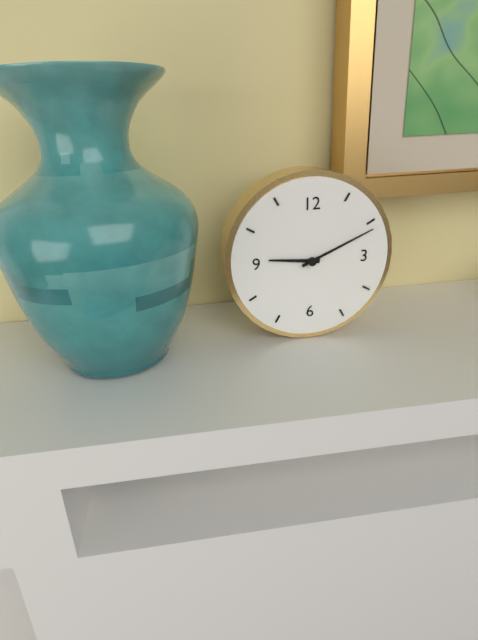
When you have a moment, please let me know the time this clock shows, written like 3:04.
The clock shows 9:11
